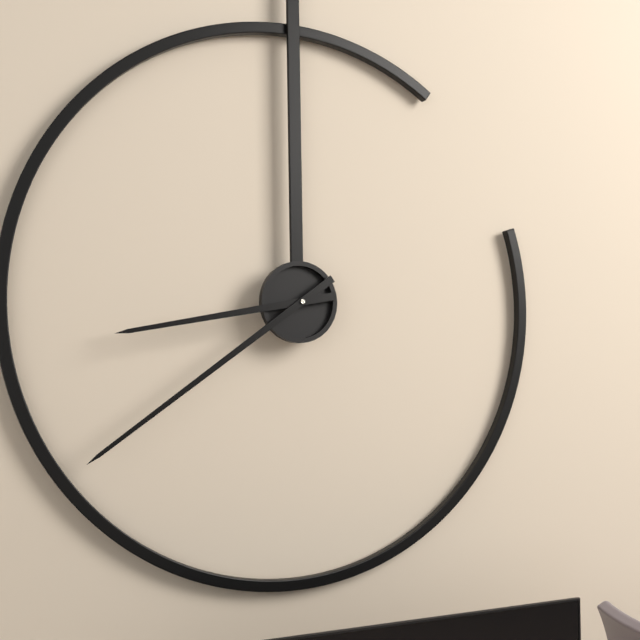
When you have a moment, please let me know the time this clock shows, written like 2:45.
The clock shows 8:39
